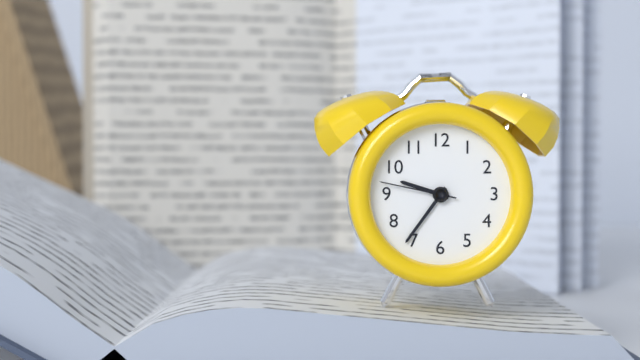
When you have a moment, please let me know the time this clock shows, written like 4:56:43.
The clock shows 9:36:47
